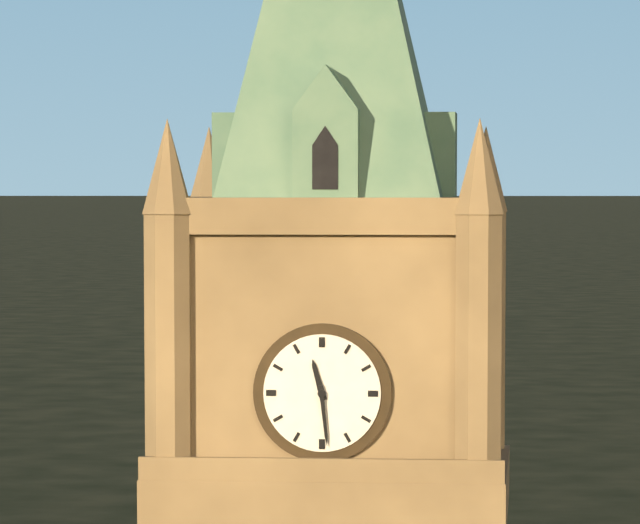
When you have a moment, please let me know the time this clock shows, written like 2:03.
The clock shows 11:29
